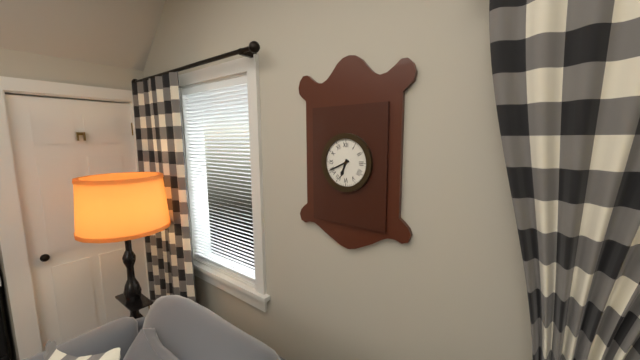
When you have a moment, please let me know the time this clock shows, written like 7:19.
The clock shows 6:41
